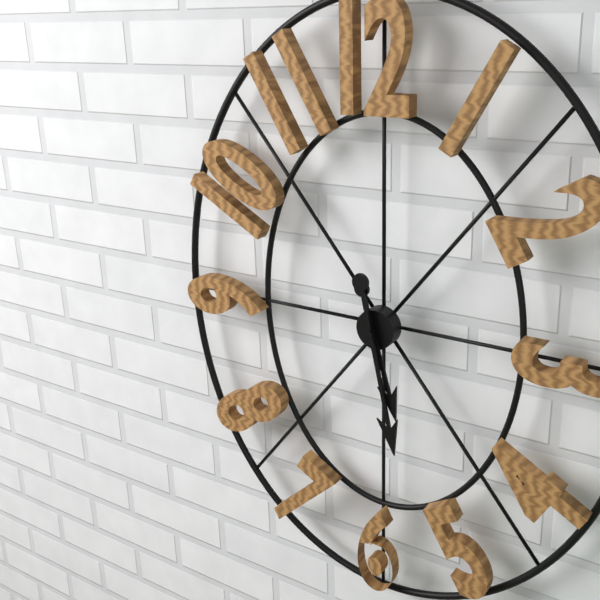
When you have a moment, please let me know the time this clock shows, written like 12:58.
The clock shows 5:28
